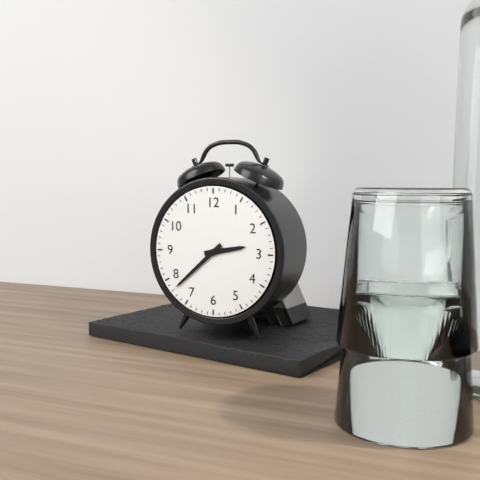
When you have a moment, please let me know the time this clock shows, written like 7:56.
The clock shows 2:38
